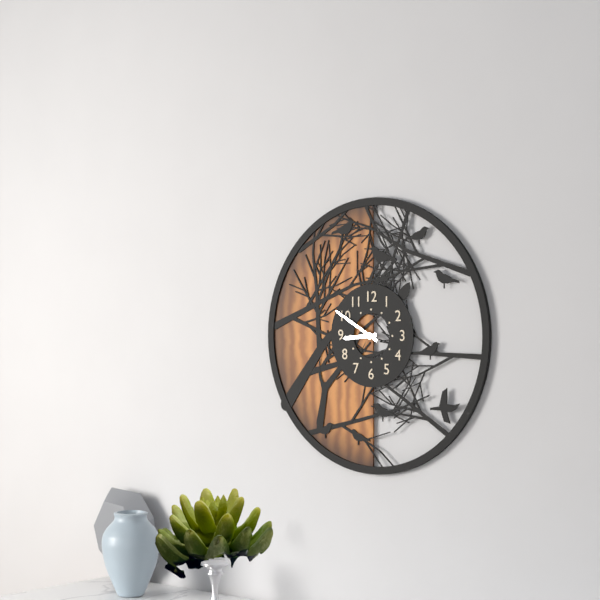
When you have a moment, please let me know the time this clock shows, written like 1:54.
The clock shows 8:50
